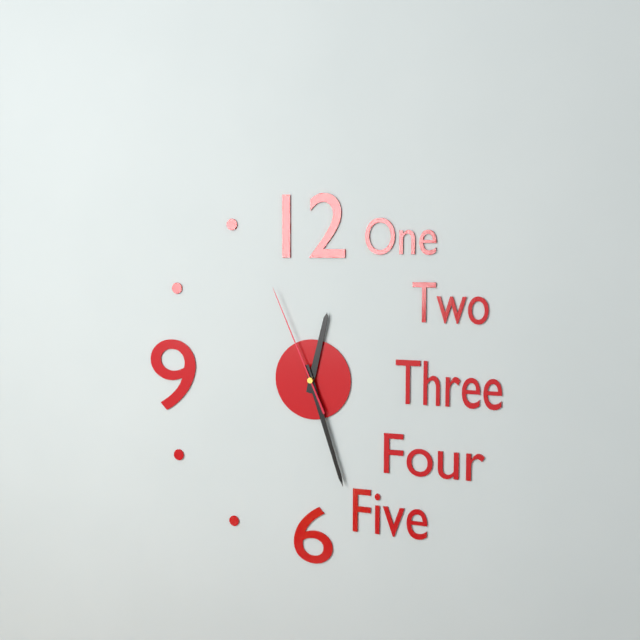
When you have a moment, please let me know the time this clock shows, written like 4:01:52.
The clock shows 12:27:56
